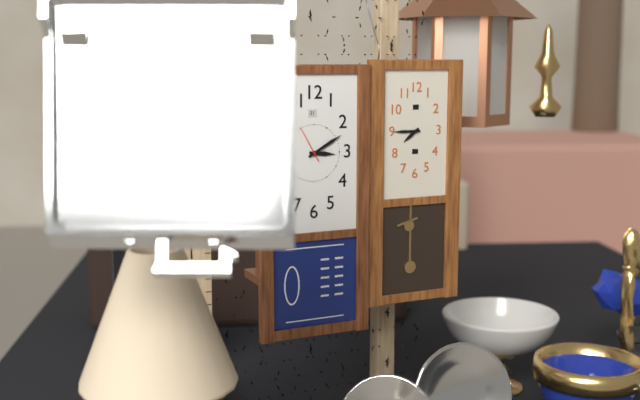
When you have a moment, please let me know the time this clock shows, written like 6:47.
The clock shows 3:10
